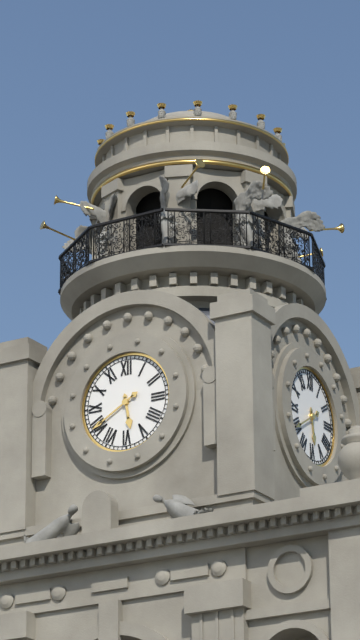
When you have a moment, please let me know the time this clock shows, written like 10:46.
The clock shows 5:40
